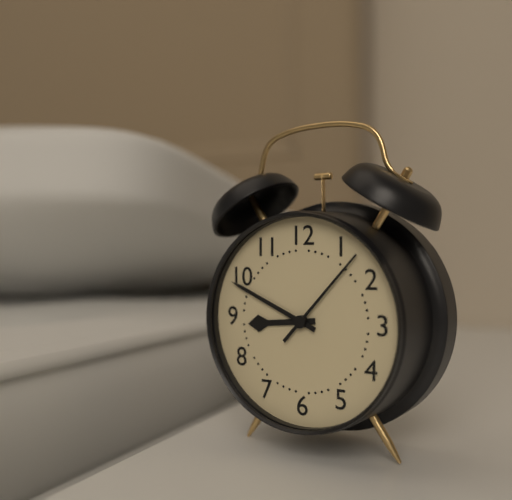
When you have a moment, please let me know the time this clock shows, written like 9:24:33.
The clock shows 8:49:07
